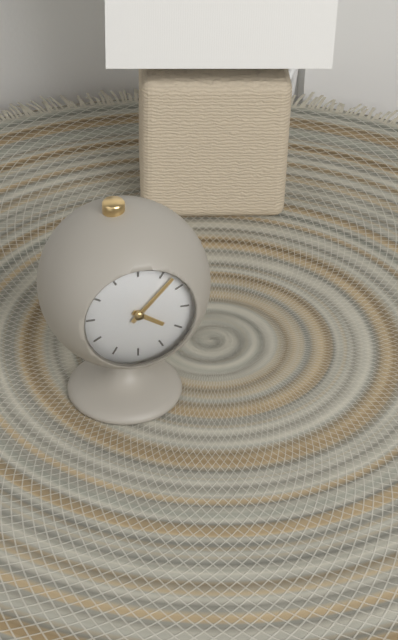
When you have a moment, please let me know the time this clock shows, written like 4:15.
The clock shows 4:07
